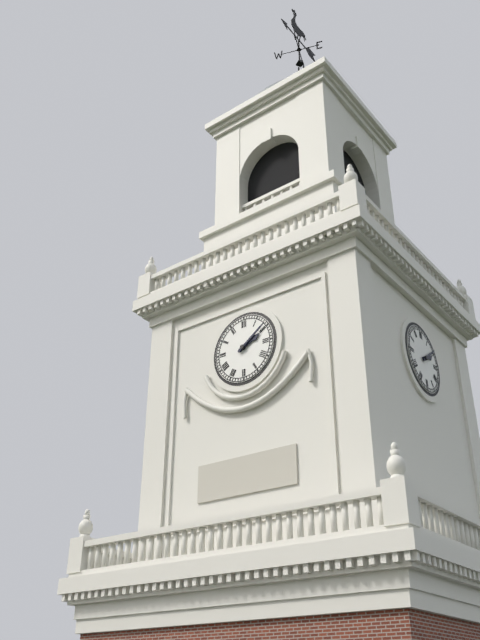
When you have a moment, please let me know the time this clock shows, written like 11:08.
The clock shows 2:09
